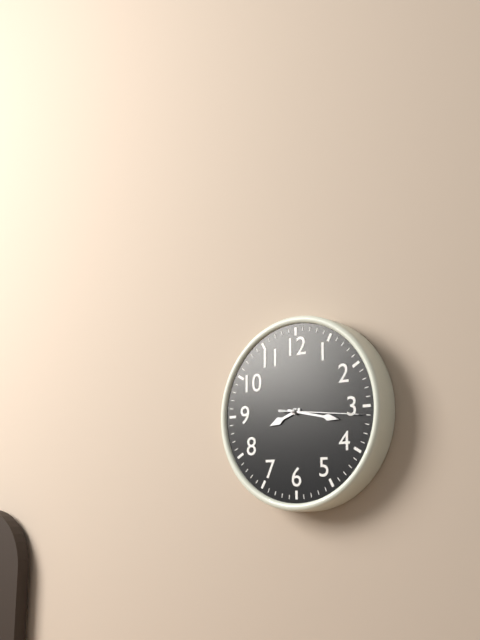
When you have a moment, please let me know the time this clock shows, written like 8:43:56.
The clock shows 8:17:16
